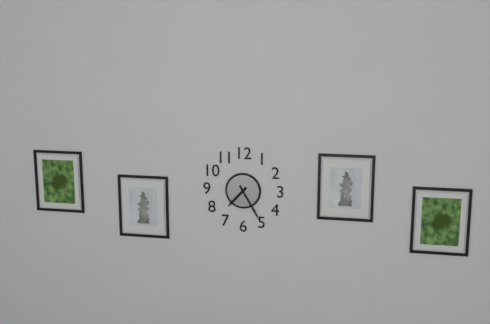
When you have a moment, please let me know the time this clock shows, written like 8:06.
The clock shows 7:25
